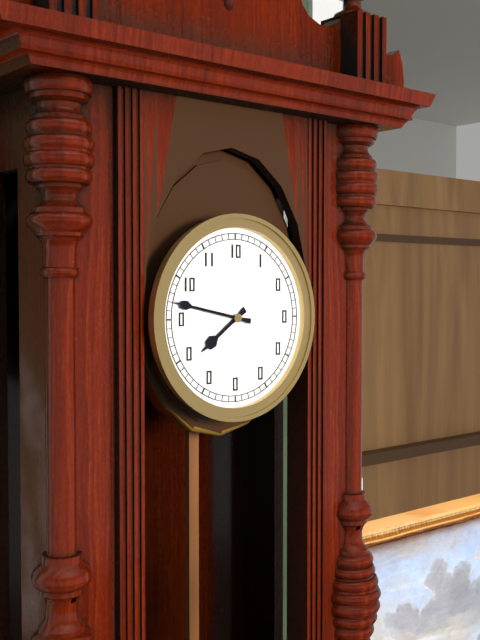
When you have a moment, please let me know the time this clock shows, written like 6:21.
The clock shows 7:47
